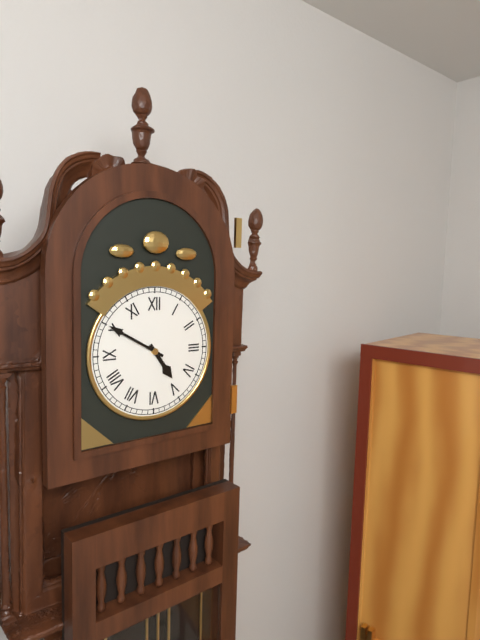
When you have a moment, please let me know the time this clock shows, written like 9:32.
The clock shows 4:50
